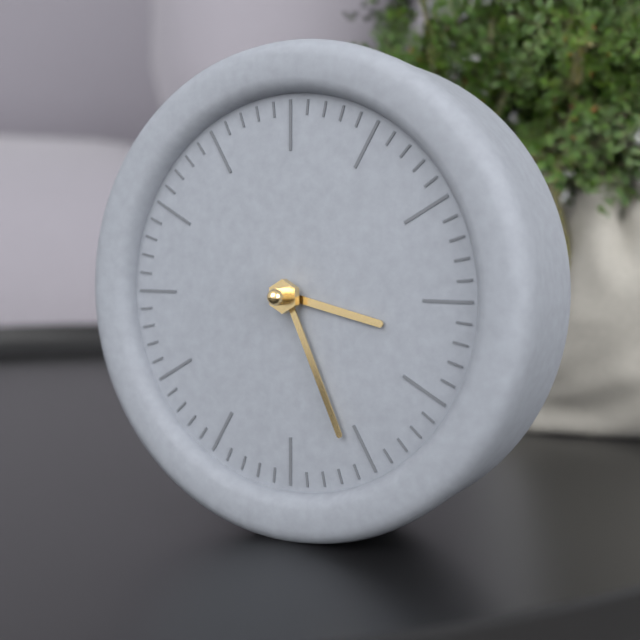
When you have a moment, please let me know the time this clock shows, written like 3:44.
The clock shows 3:26
